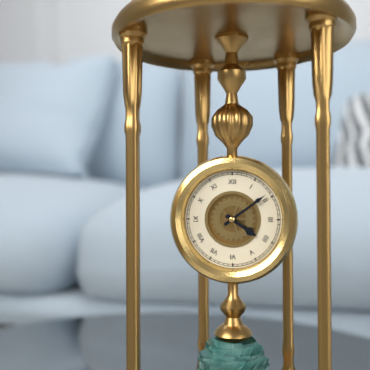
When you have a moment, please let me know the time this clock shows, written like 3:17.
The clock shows 4:09
